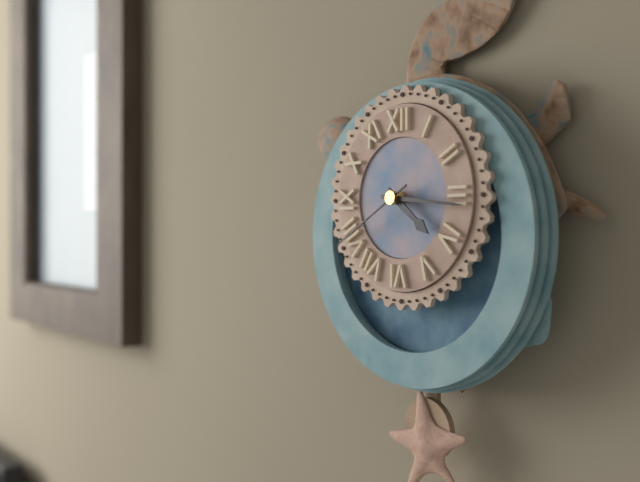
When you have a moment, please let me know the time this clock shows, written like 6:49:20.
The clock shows 4:16:40
